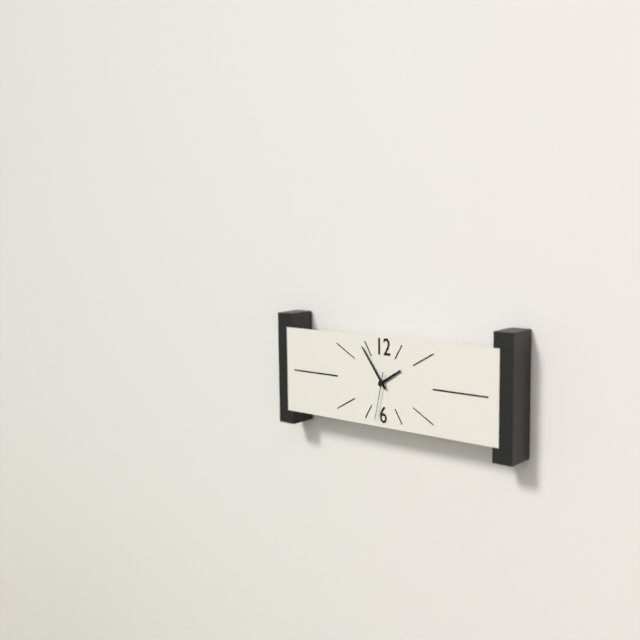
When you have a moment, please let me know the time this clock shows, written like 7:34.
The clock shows 1:54
